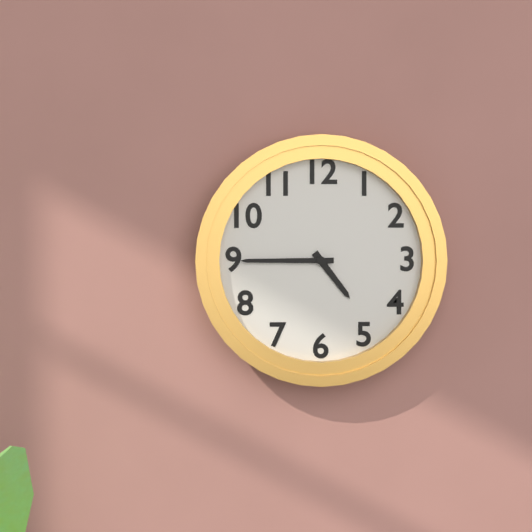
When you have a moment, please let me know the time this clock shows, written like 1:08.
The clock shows 4:45
